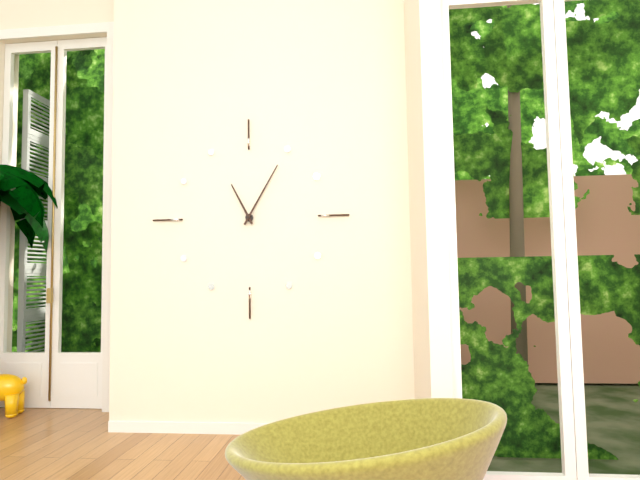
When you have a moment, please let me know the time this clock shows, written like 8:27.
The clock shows 11:05
